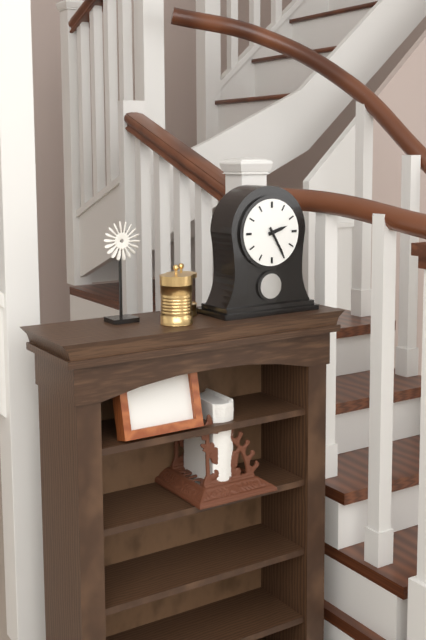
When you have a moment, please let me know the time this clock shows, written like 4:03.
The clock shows 2:25
